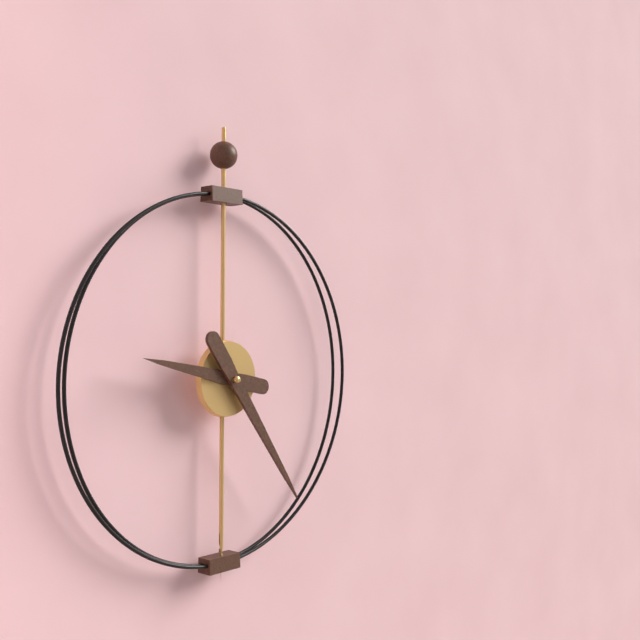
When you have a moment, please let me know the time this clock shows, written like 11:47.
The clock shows 9:24
